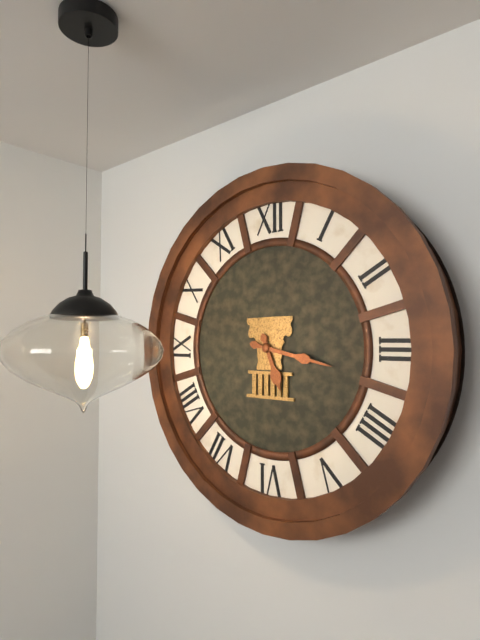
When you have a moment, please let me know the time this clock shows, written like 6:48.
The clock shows 5:17
